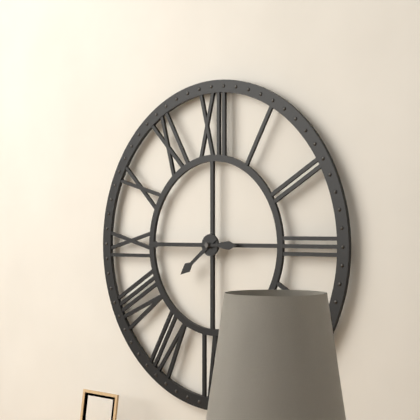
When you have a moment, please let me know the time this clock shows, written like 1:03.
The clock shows 7:45
